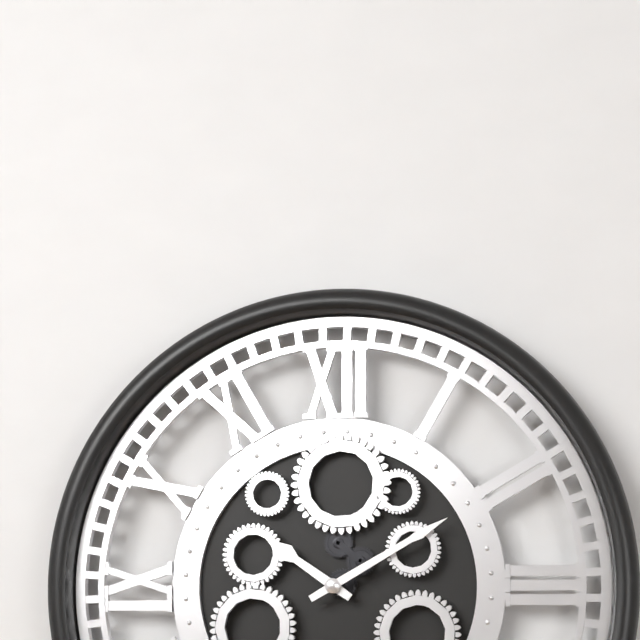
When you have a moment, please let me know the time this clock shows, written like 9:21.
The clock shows 10:10
